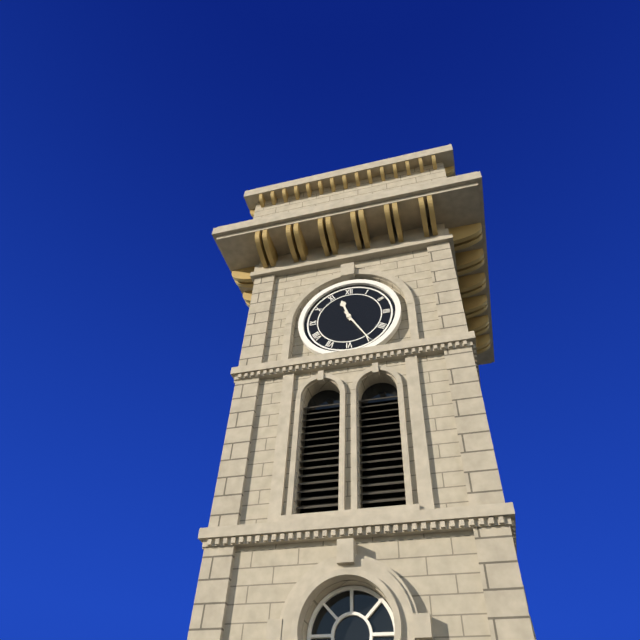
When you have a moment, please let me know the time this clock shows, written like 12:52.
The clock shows 11:25
